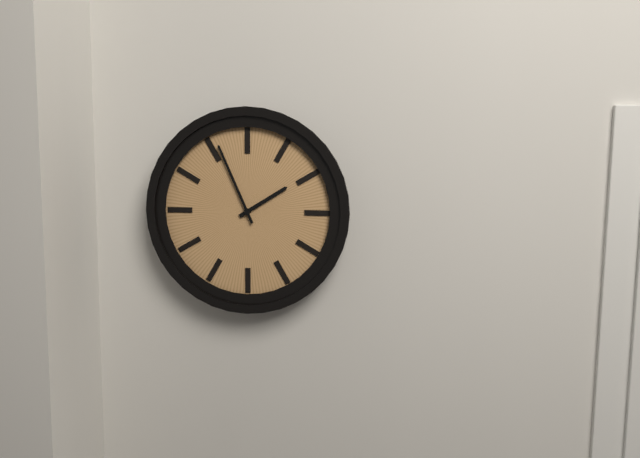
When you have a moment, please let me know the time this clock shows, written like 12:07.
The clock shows 1:56
